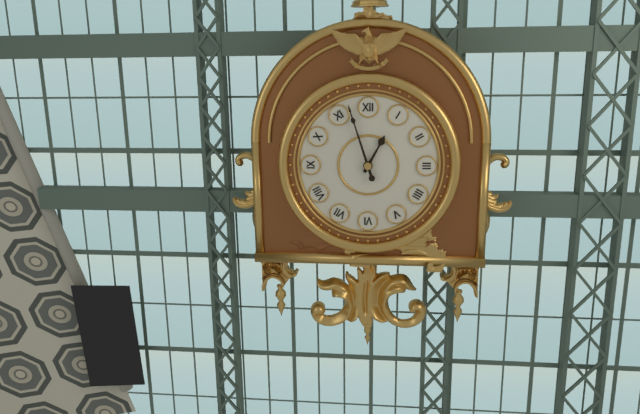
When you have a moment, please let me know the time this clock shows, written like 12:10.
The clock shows 12:57
